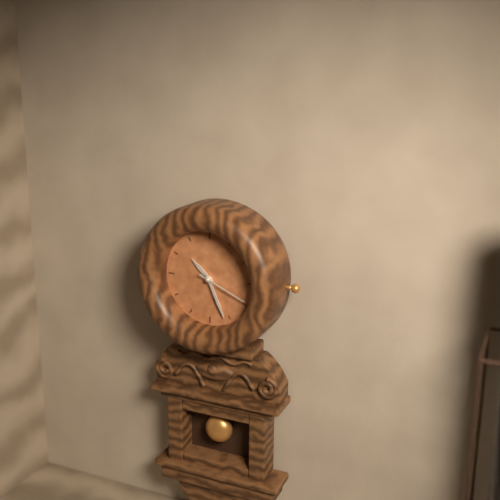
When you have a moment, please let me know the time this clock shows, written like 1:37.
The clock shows 10:26
